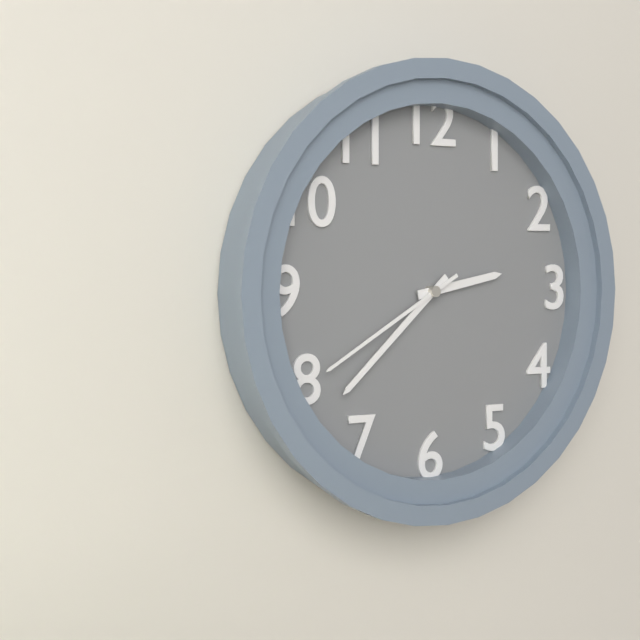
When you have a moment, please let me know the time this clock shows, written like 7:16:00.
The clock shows 2:38:40
